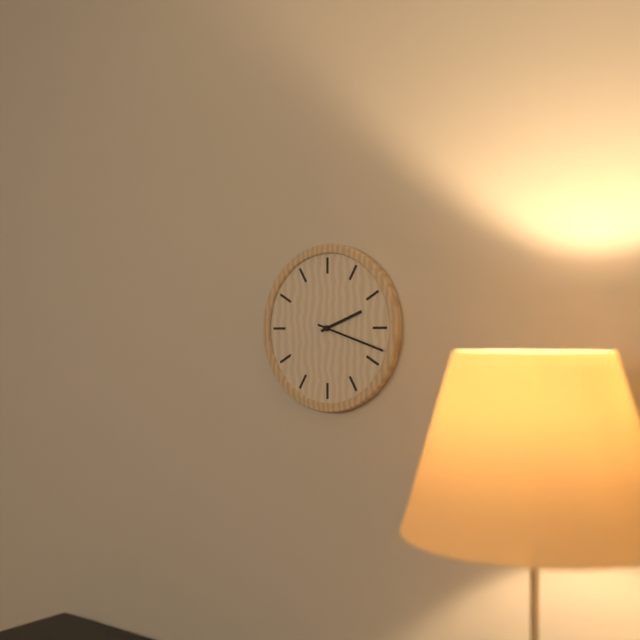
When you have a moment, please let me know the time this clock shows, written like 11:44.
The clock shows 2:18
